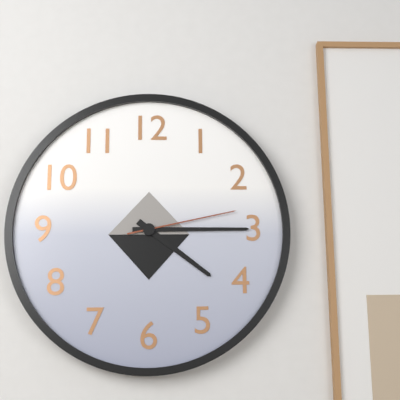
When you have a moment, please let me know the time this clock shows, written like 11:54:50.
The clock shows 4:15:13
